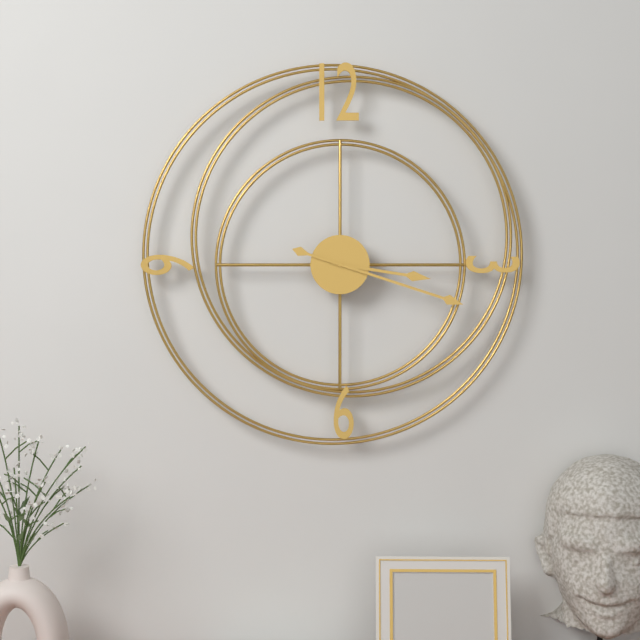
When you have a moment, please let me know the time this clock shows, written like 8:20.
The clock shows 3:18
